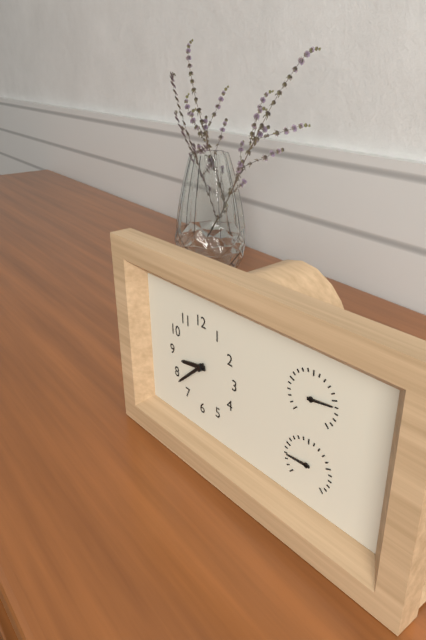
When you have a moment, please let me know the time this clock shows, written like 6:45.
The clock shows 8:38
